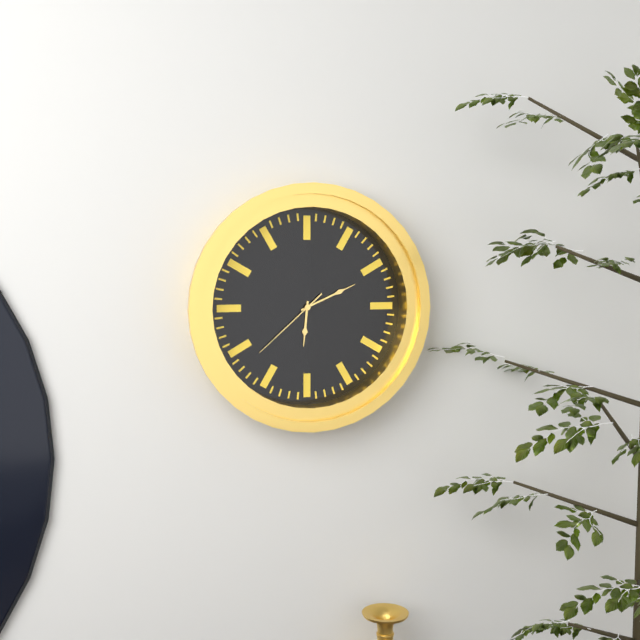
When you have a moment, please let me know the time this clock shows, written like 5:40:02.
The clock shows 6:11:38
